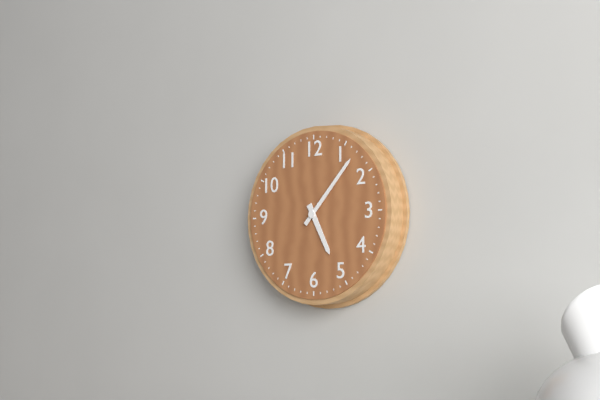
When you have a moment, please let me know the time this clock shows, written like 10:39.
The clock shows 5:07
